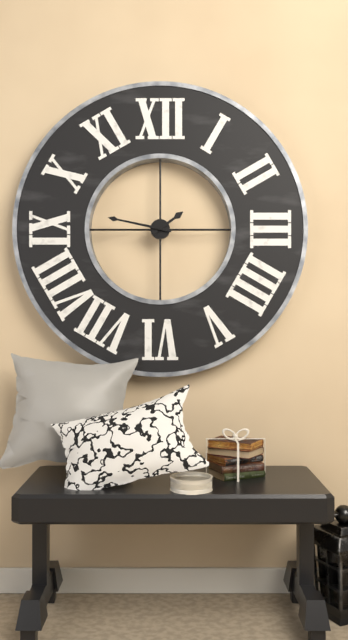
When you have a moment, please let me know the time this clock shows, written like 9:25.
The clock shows 1:47
